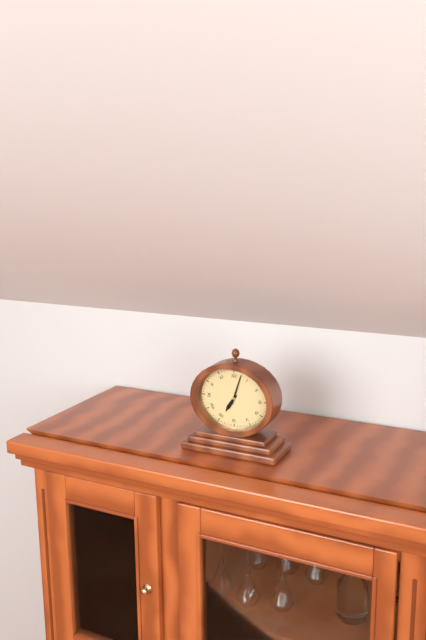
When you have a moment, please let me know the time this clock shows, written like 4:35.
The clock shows 7:03
